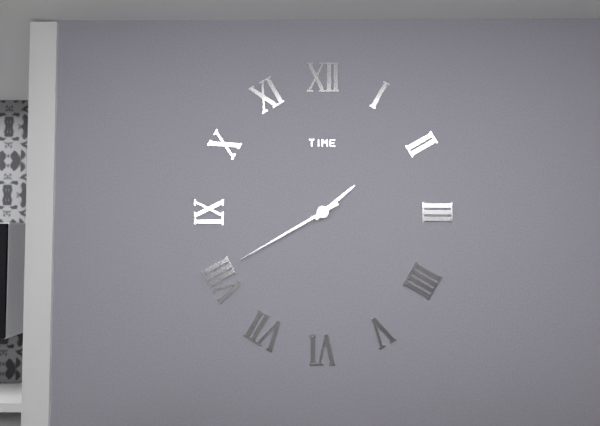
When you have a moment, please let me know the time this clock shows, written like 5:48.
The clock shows 1:40
